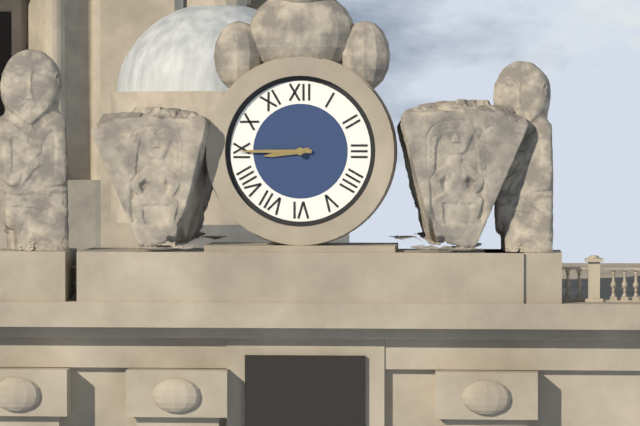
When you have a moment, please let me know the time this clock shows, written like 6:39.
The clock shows 8:45
